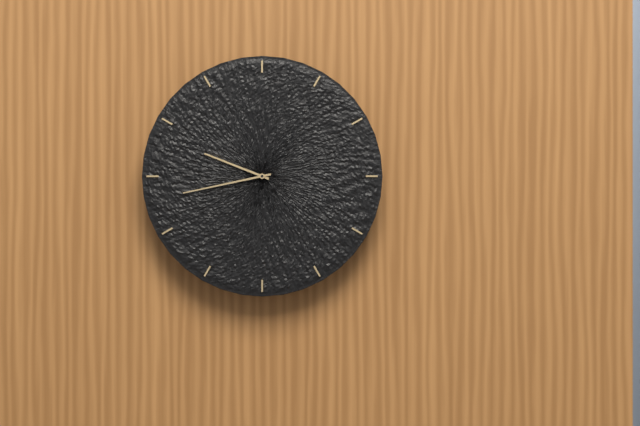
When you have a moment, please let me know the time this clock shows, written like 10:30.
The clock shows 9:43
